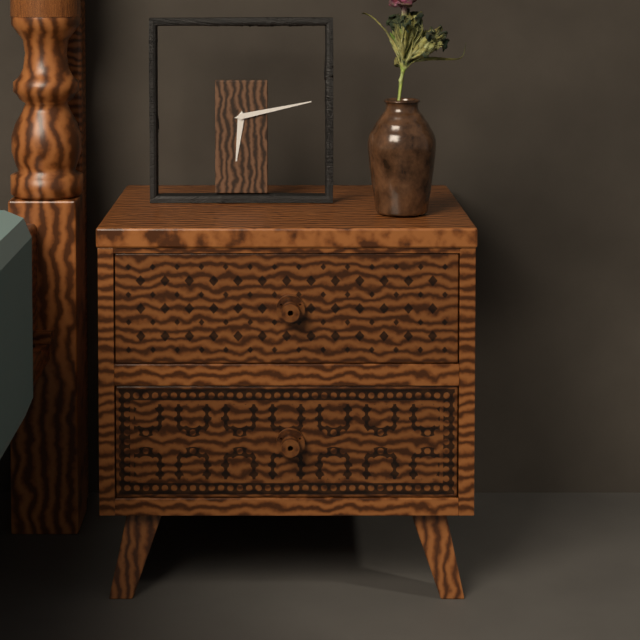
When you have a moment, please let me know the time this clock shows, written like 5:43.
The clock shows 6:13
